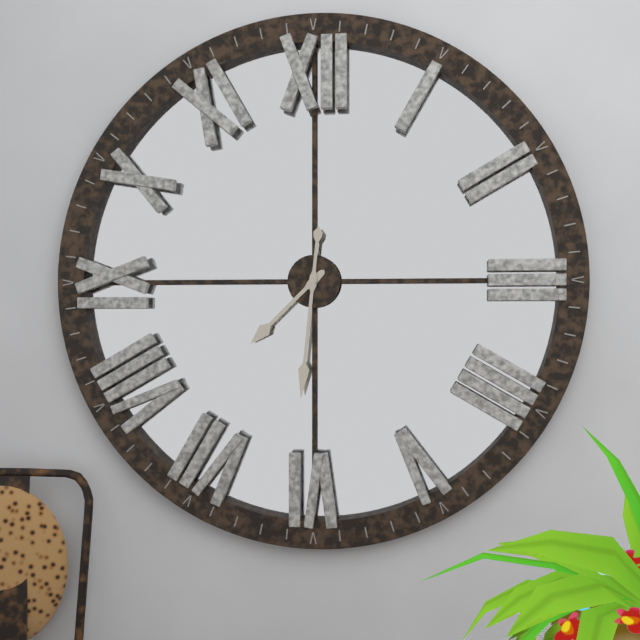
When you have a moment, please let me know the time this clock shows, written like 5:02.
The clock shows 7:31
